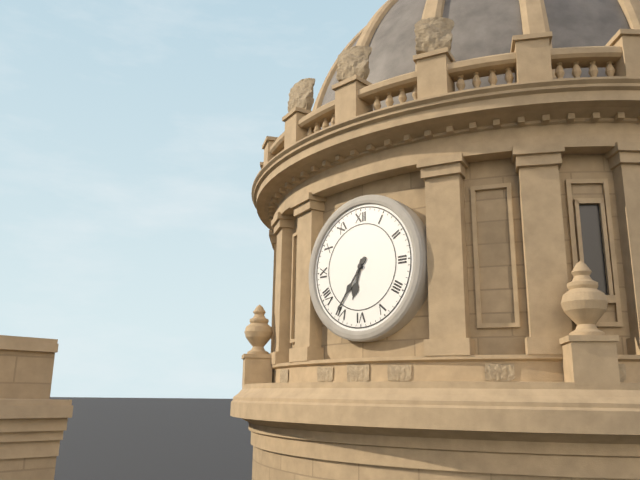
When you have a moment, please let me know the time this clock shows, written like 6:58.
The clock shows 6:36
